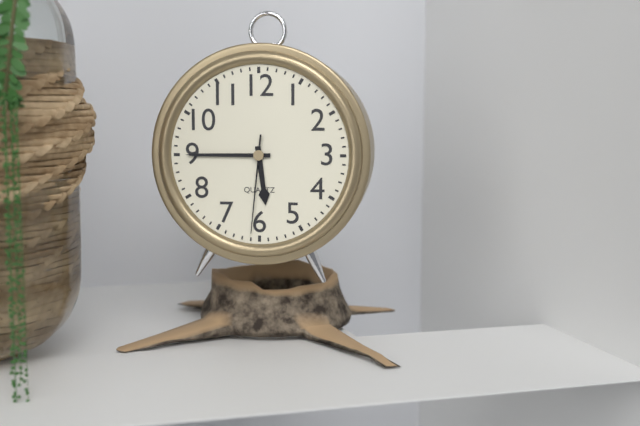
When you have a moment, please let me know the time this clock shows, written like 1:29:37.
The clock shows 5:45:31
